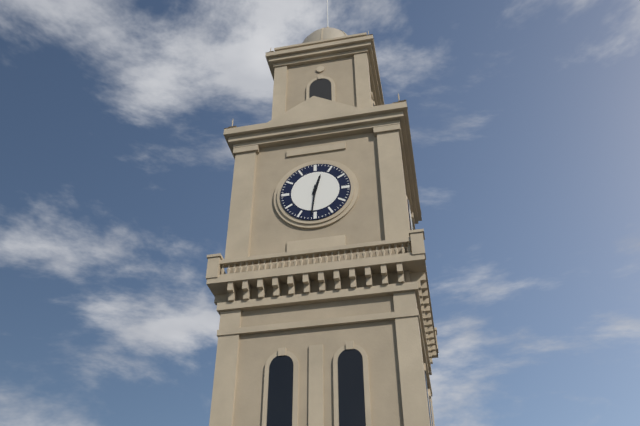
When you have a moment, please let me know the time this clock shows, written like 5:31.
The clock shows 12:31
